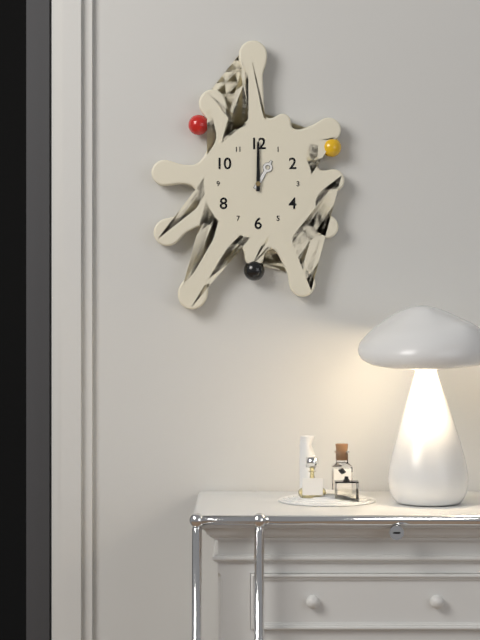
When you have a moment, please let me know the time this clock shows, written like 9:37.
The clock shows 1:00
